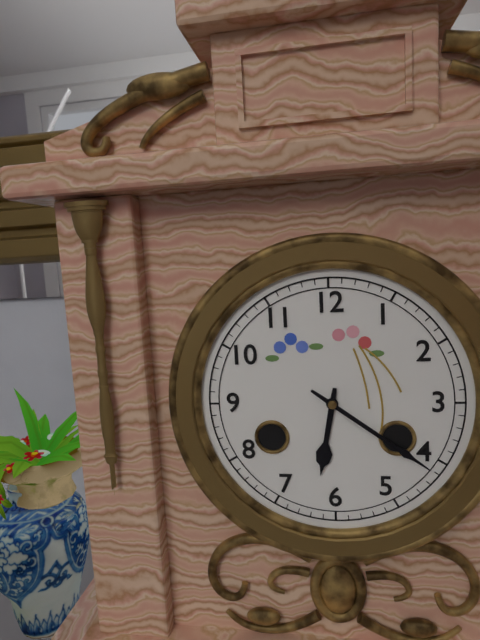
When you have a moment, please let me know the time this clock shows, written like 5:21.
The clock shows 6:21
